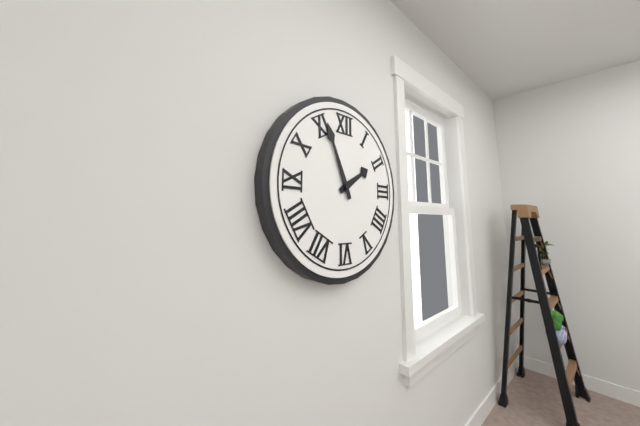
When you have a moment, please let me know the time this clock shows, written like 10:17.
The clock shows 1:56
